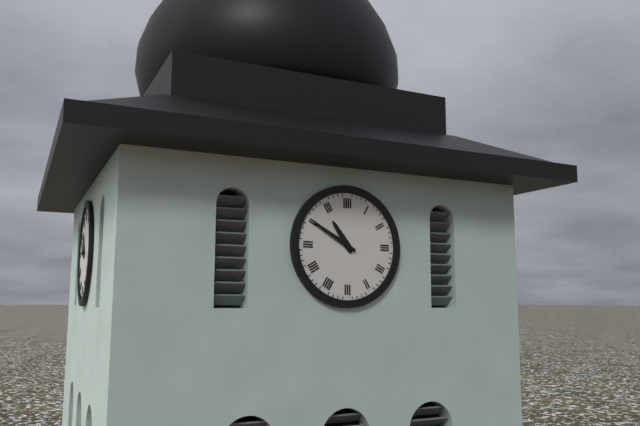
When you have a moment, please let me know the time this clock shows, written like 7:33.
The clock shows 10:50
